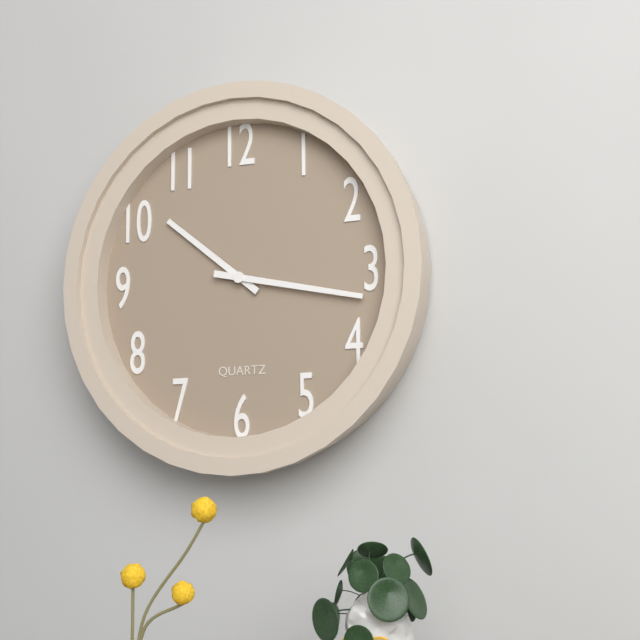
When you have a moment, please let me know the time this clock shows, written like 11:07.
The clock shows 10:17
